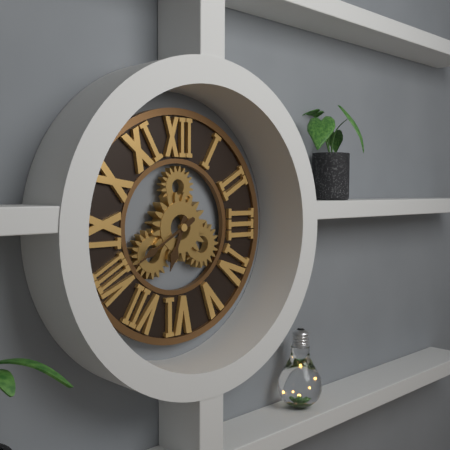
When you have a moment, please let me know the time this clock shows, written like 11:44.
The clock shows 6:40
